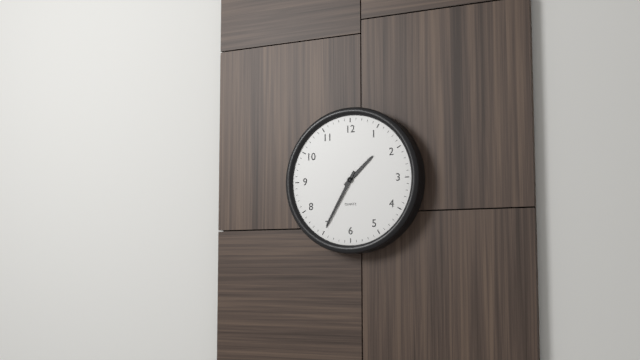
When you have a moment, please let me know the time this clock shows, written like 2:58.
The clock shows 1:35
